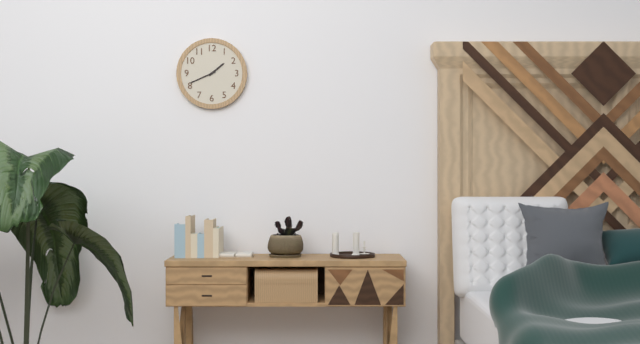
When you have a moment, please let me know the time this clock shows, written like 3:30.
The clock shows 1:41
